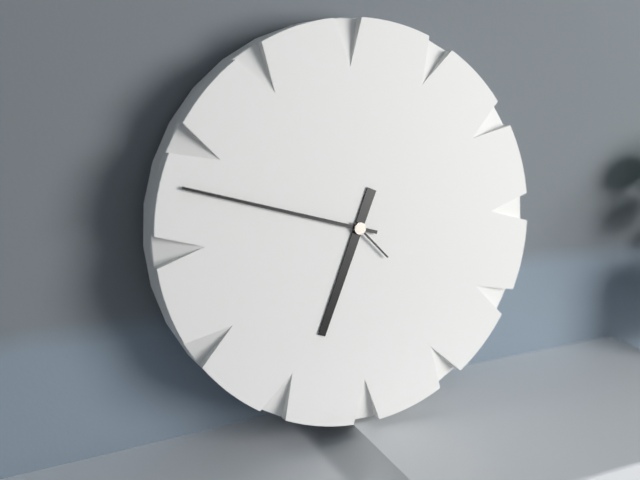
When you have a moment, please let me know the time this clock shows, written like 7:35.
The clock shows 6:48
